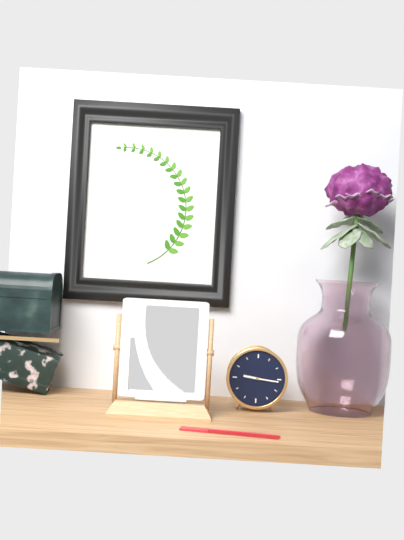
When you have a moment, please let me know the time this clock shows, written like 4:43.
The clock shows 9:16
